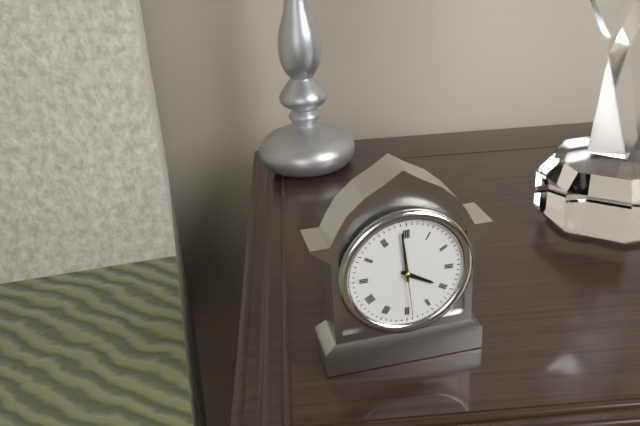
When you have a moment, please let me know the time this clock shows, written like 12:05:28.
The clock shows 3:59:29
